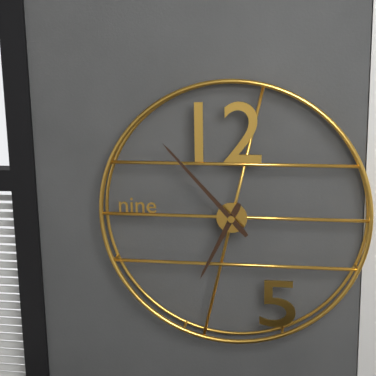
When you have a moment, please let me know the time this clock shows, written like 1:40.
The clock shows 6:53
